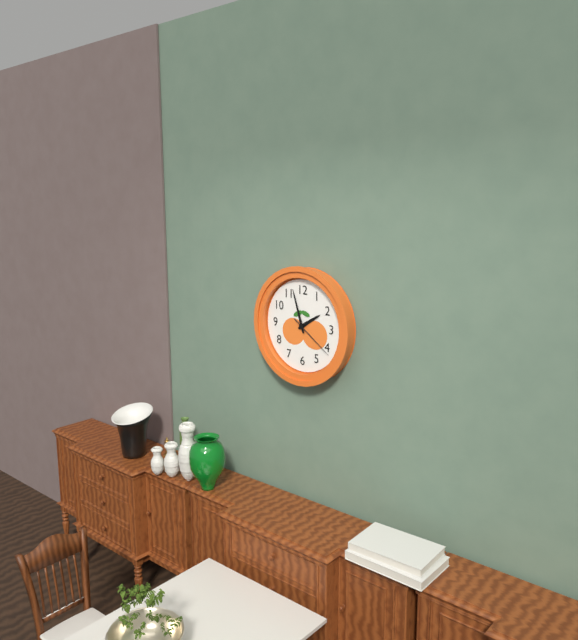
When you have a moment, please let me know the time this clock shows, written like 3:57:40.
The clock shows 1:57:21
